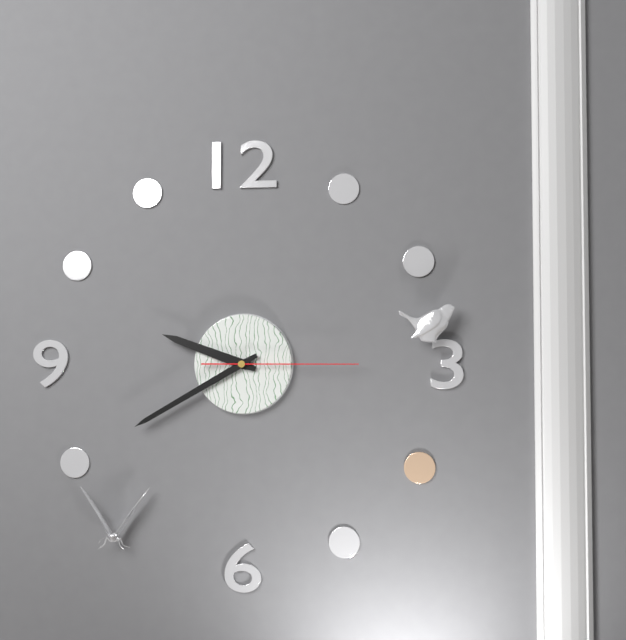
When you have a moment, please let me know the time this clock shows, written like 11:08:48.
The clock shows 9:40:15
